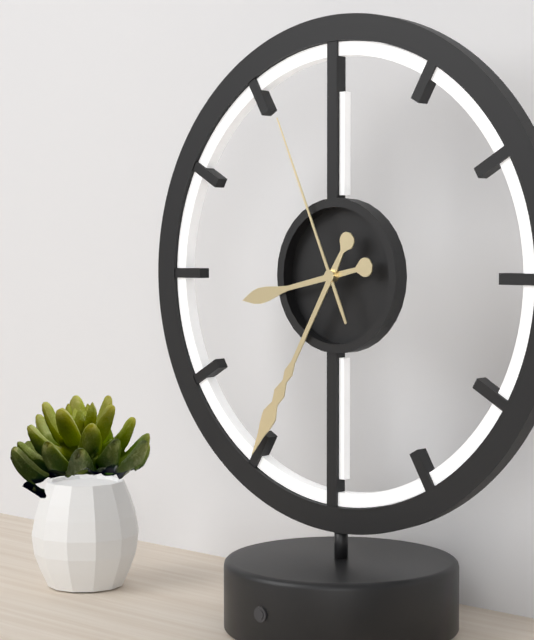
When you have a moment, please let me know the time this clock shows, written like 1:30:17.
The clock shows 8:35:56
